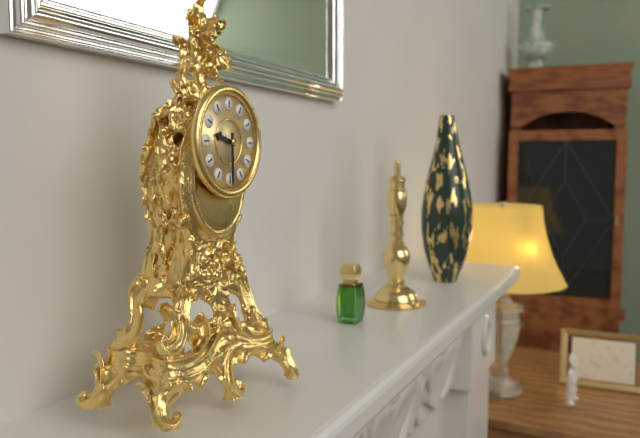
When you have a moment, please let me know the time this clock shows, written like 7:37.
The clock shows 9:30
